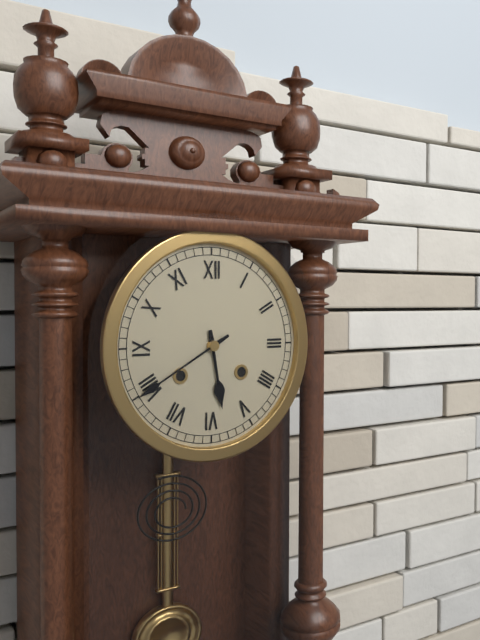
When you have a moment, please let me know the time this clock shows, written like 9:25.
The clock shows 5:40
